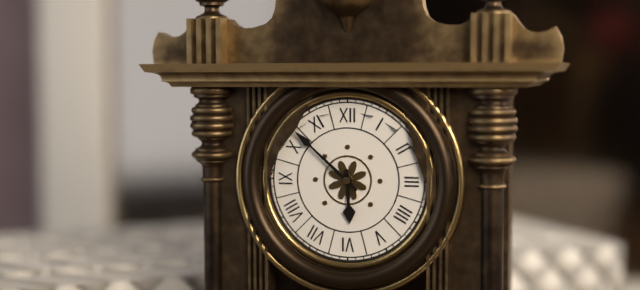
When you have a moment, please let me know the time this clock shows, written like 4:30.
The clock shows 5:52
